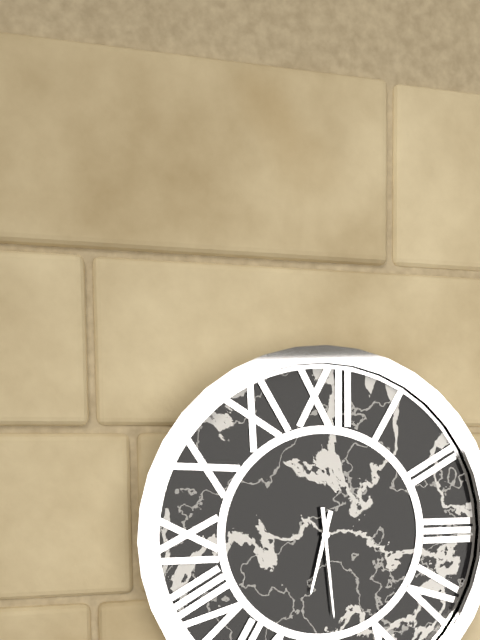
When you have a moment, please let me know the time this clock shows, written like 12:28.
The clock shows 6:29
